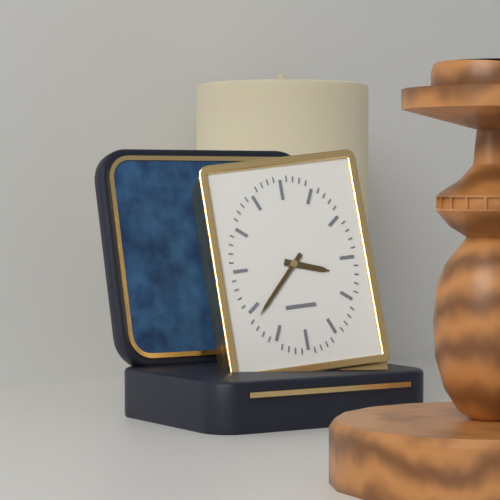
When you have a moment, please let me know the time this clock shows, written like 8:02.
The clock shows 3:37
